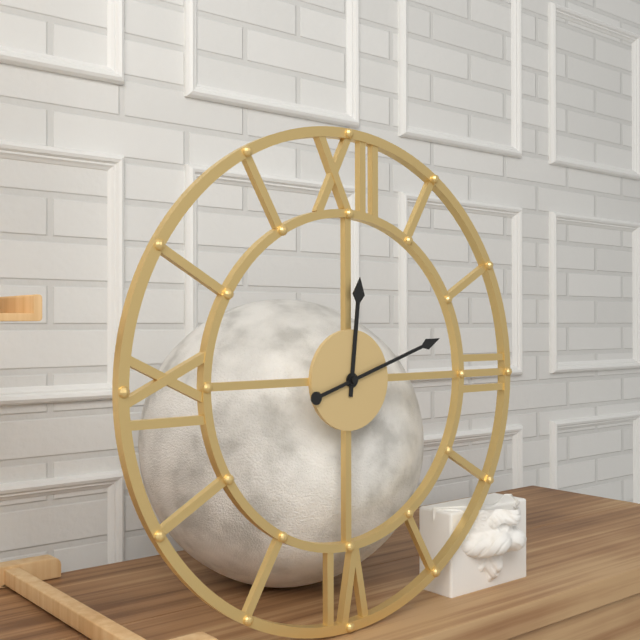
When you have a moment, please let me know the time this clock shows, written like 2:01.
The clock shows 12:12
